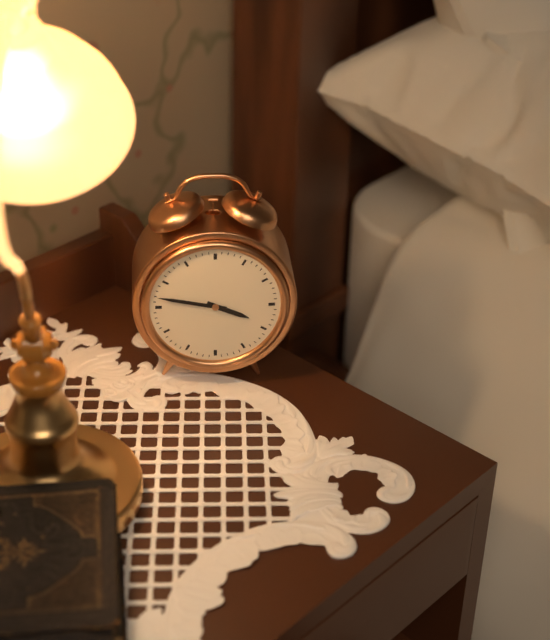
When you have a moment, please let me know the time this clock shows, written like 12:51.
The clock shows 3:47
